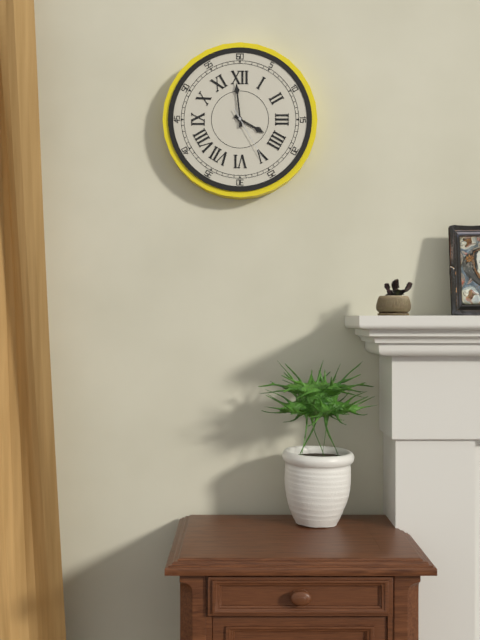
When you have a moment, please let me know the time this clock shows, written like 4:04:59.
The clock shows 3:59:25
